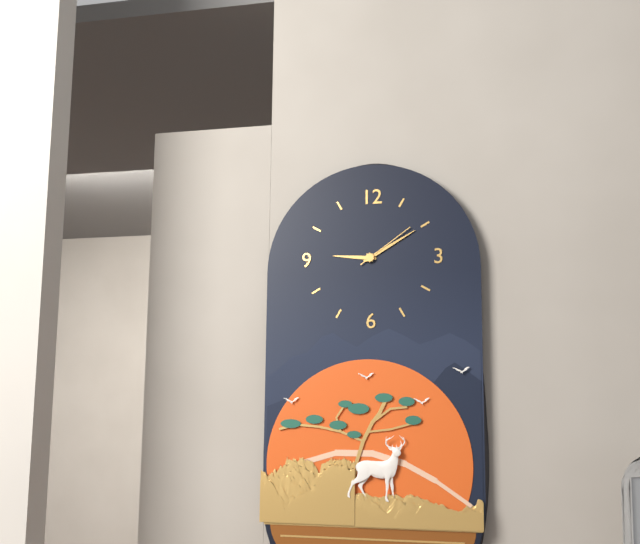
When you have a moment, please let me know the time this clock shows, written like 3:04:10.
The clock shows 9:10:09
